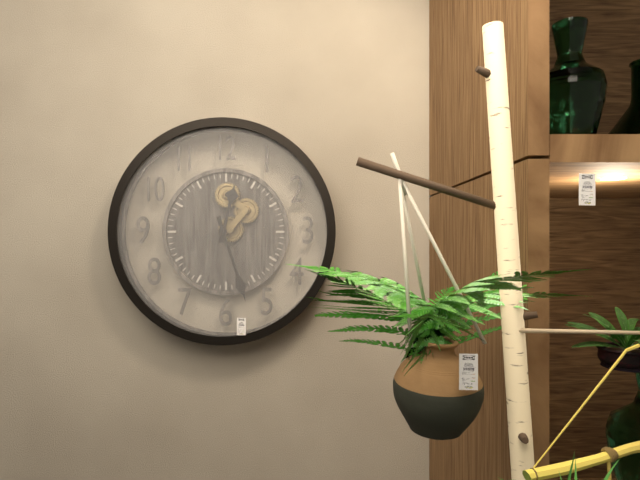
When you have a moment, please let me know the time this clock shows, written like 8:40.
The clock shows 12:27
